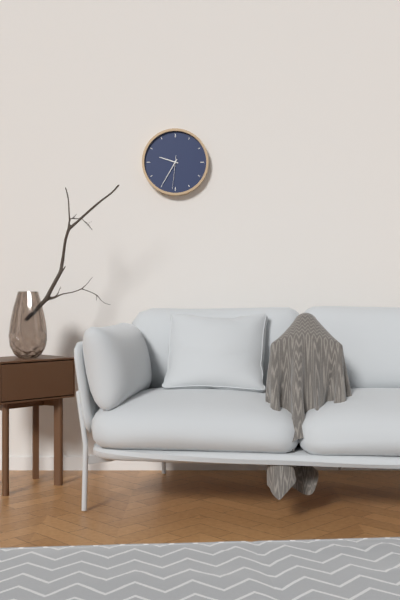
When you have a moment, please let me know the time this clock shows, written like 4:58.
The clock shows 9:35
